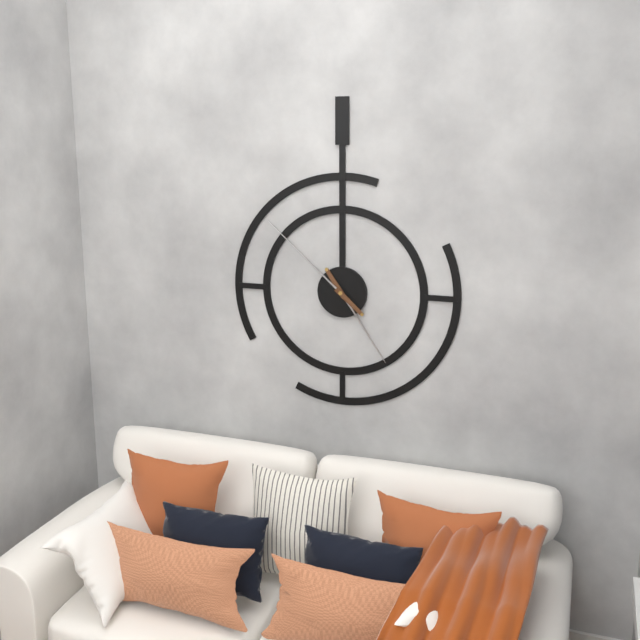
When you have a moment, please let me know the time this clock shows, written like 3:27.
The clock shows 4:52
